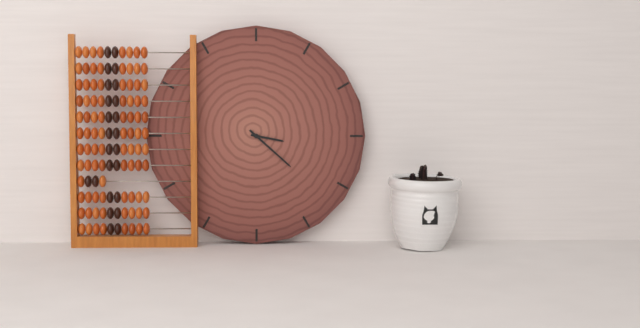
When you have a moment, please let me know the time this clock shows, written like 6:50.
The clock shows 3:22
